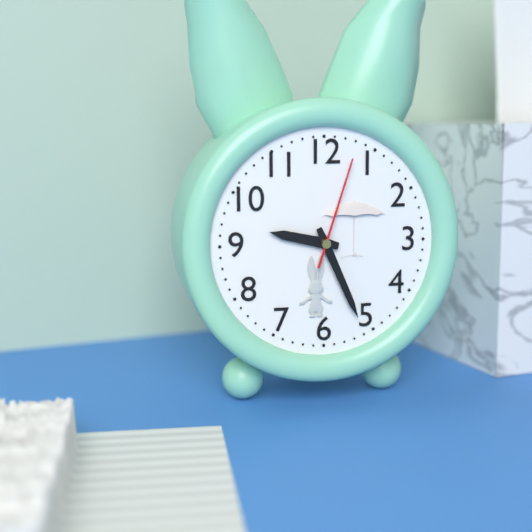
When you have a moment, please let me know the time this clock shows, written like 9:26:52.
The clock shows 9:26:03
